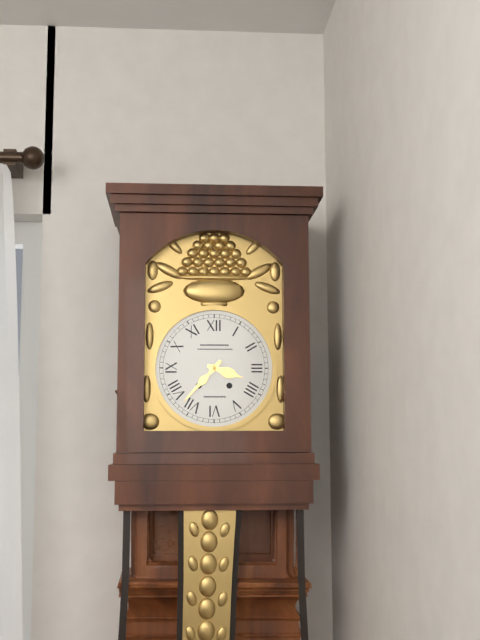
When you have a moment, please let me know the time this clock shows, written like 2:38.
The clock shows 3:37
